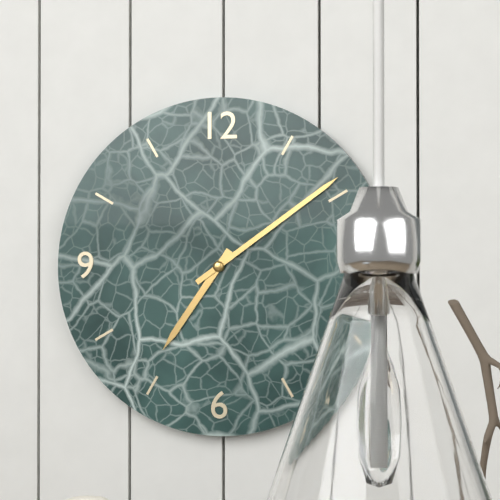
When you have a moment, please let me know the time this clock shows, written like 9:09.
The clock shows 7:09
